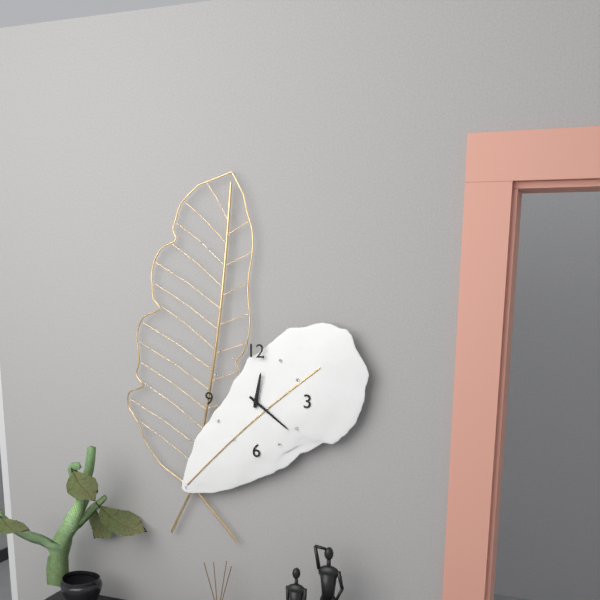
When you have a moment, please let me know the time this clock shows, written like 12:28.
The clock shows 12:21
